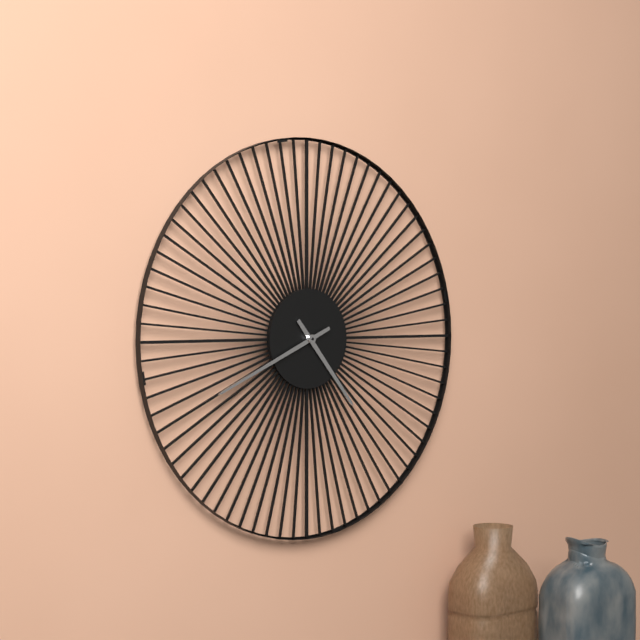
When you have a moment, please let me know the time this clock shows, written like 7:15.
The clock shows 4:41
